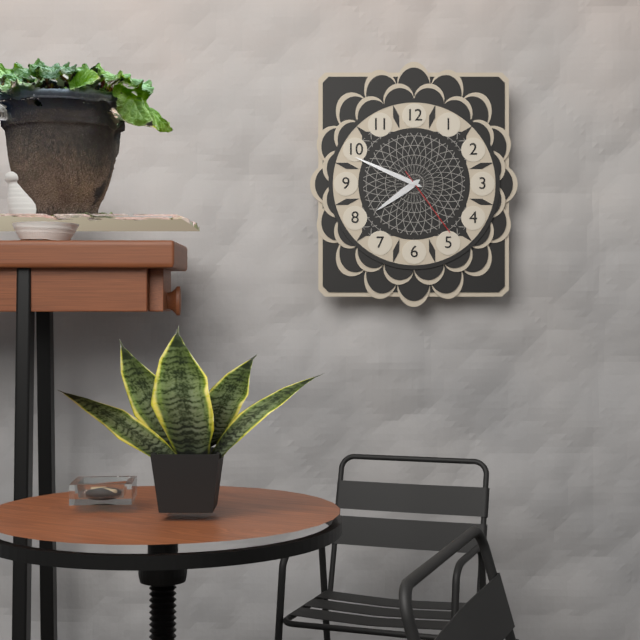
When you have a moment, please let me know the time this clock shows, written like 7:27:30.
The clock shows 7:49:24
